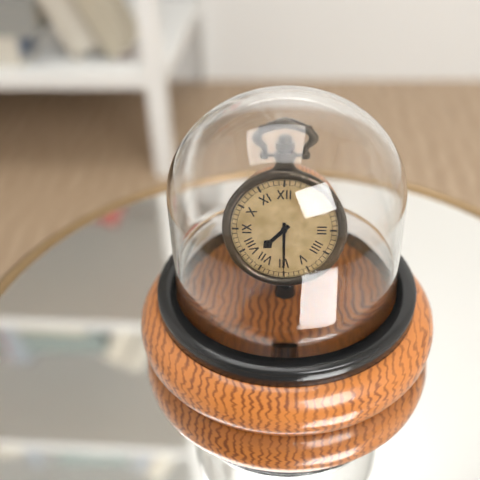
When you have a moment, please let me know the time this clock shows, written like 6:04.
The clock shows 7:30
